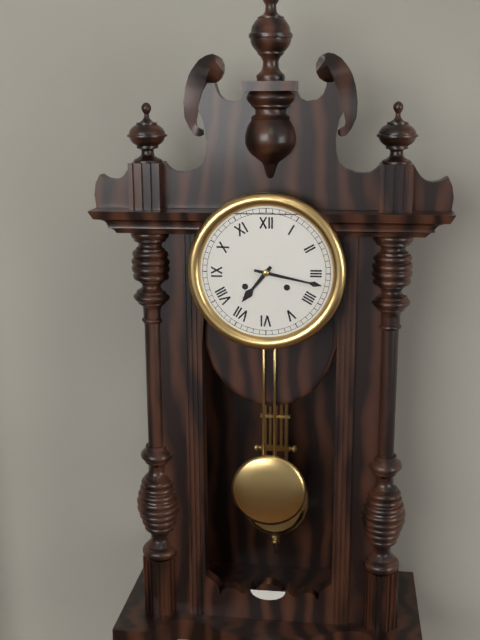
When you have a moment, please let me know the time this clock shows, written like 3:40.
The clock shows 7:17
